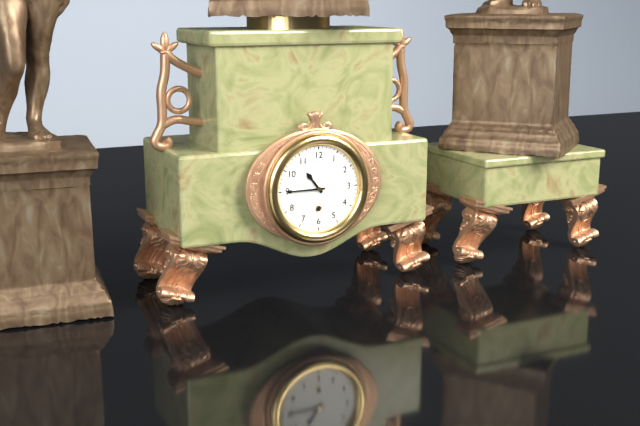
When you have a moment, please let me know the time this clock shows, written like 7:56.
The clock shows 10:45
